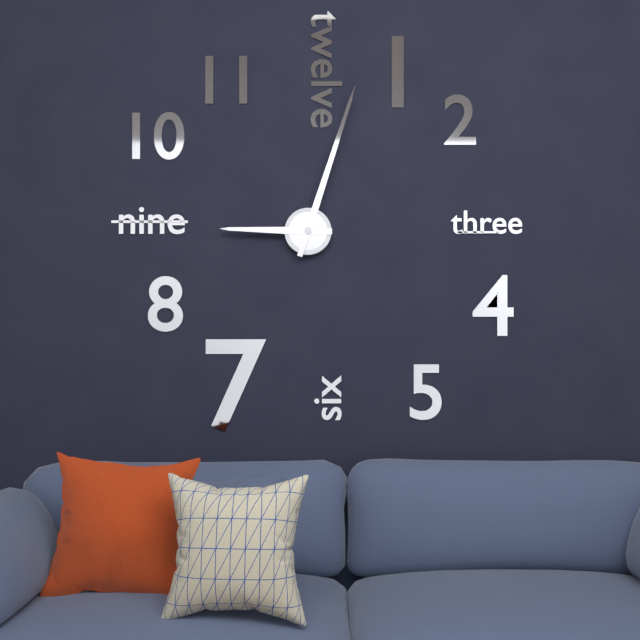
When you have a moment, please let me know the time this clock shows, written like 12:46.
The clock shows 9:03
